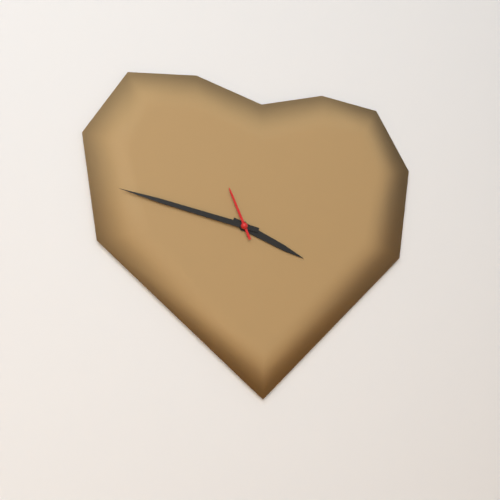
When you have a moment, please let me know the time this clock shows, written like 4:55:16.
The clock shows 3:47:56
